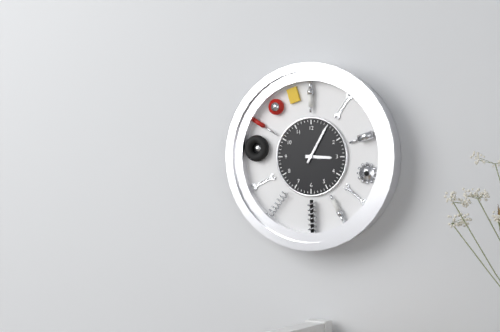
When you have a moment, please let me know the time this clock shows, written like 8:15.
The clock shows 3:05
